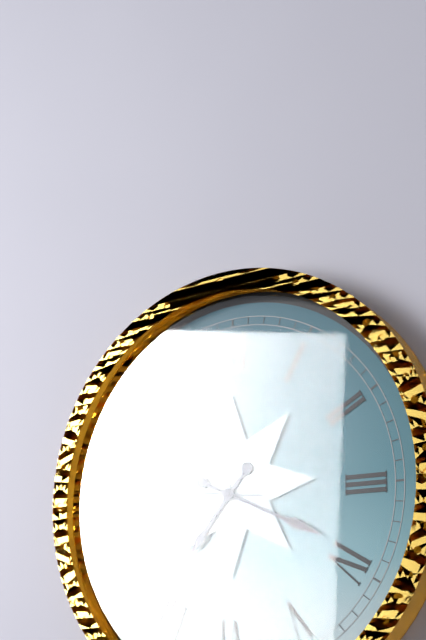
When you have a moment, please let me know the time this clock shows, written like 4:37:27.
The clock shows 7:19:46
